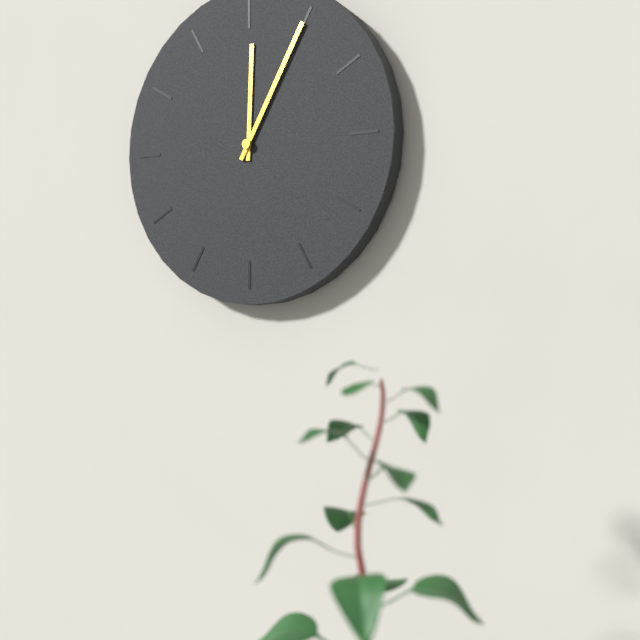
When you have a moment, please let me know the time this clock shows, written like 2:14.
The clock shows 12:05
